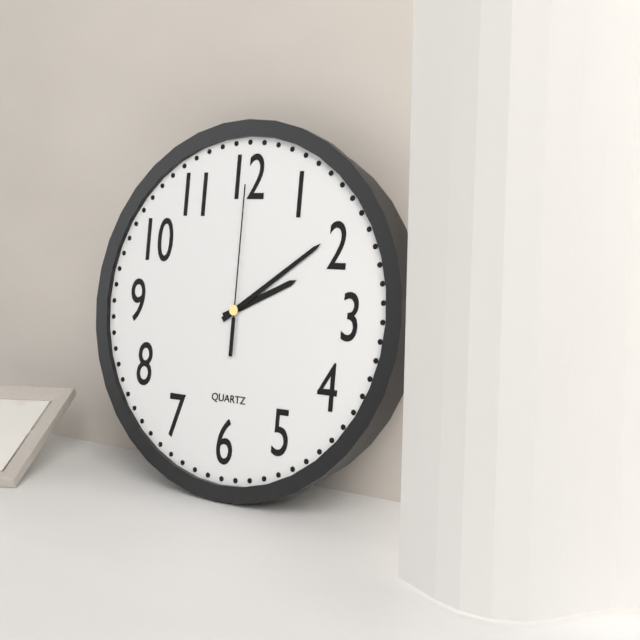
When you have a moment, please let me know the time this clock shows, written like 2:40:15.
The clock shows 2:09:00
